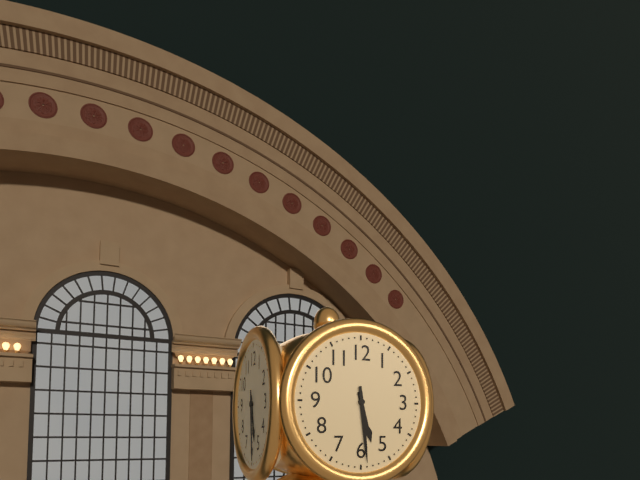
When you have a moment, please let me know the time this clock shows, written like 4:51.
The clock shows 5:29
